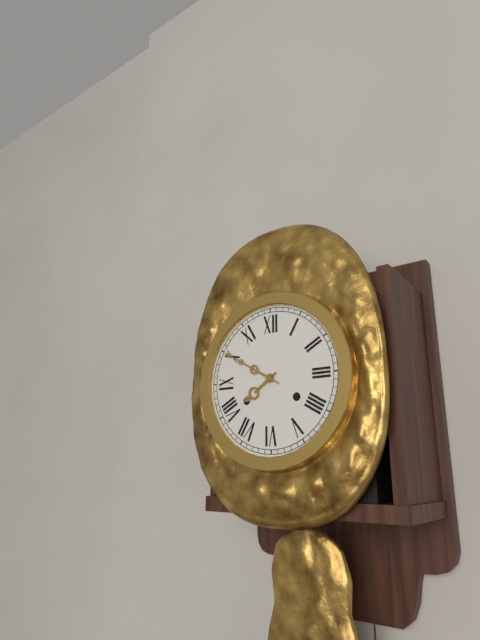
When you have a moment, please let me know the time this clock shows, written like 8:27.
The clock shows 7:50
